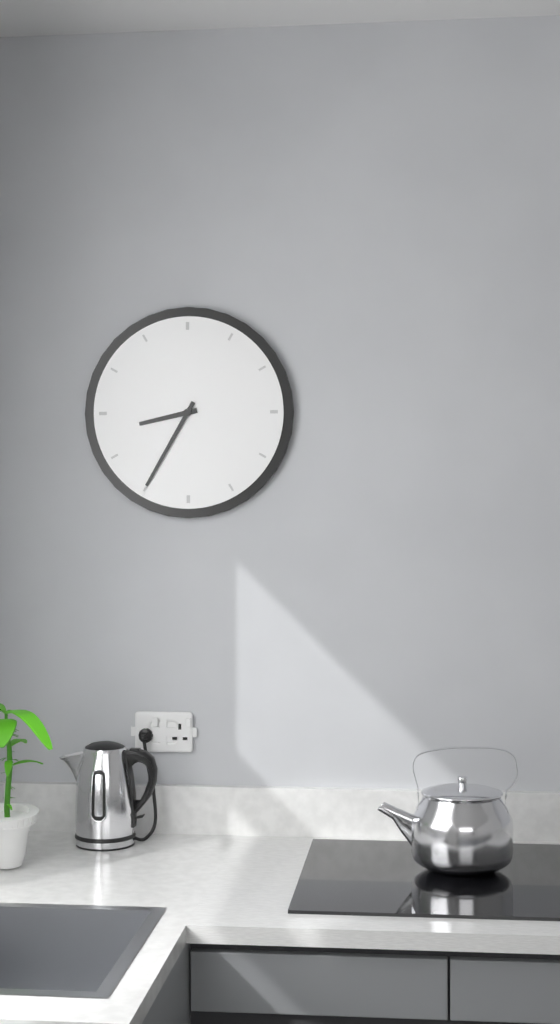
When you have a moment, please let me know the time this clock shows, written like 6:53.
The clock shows 8:35
